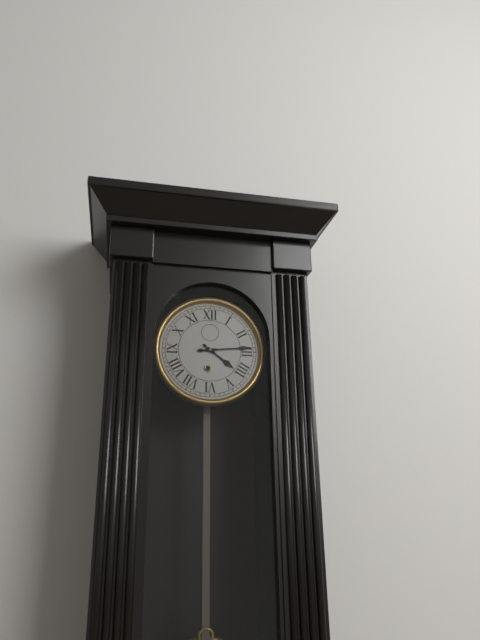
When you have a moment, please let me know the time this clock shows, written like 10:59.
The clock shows 4:14
